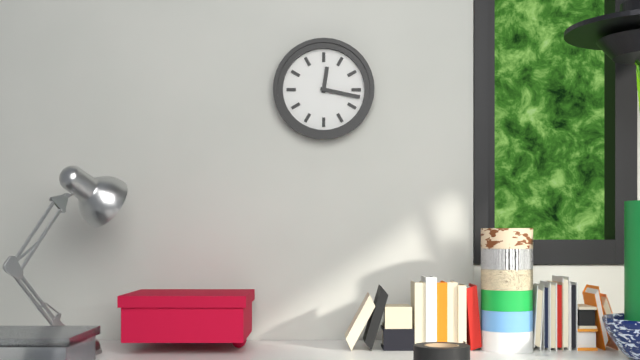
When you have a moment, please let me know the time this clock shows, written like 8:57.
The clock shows 12:17
